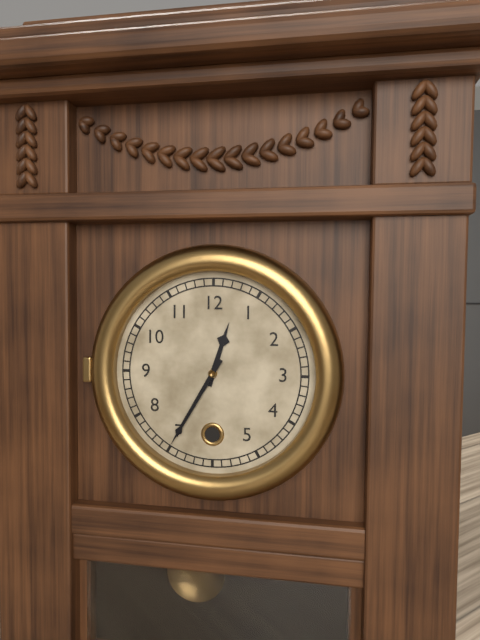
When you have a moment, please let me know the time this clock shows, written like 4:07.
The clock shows 12:35
